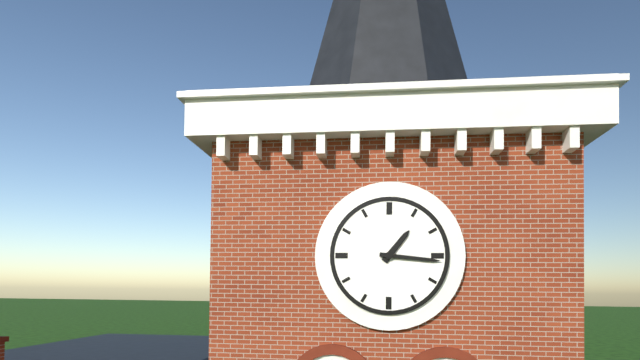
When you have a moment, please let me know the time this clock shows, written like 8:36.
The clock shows 1:16
